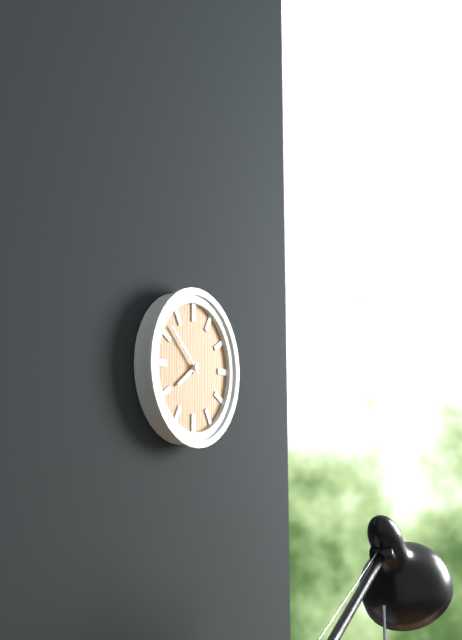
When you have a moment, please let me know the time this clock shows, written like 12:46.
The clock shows 7:52
